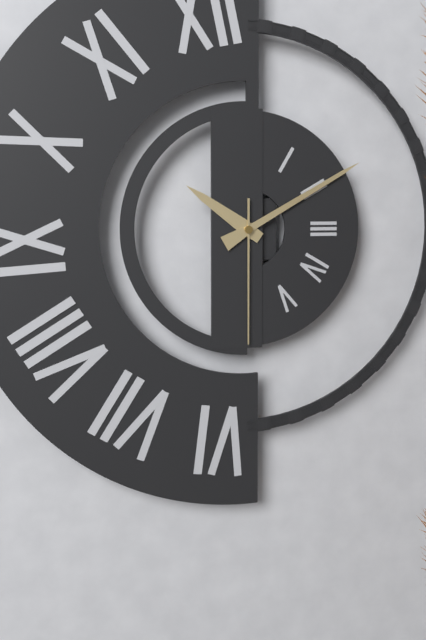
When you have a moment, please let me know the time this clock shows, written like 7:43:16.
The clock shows 10:10:30
